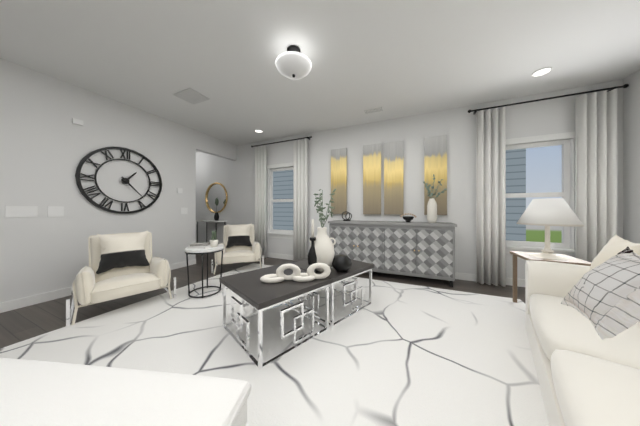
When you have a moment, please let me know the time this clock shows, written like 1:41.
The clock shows 1:23
